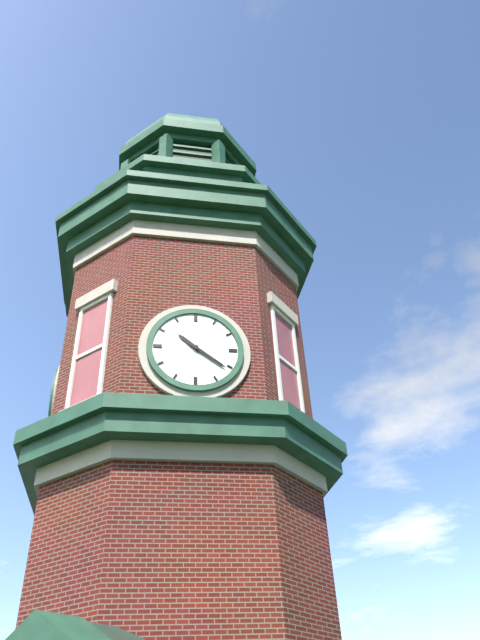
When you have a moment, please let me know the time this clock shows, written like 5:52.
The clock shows 10:21
